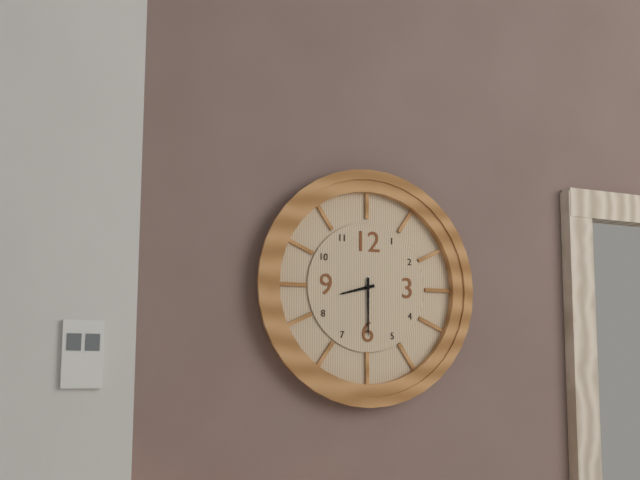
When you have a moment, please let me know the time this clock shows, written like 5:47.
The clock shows 8:30
